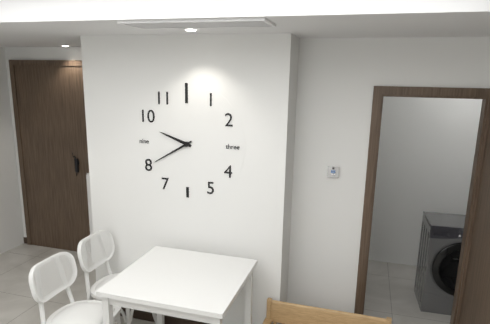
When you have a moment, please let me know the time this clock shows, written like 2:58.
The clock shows 9:40
